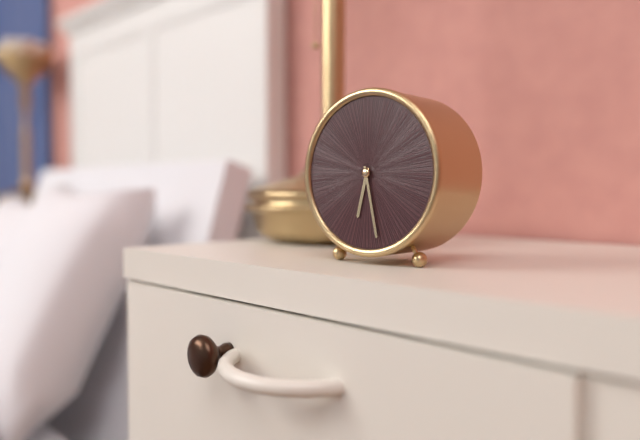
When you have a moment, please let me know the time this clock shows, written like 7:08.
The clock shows 6:28
